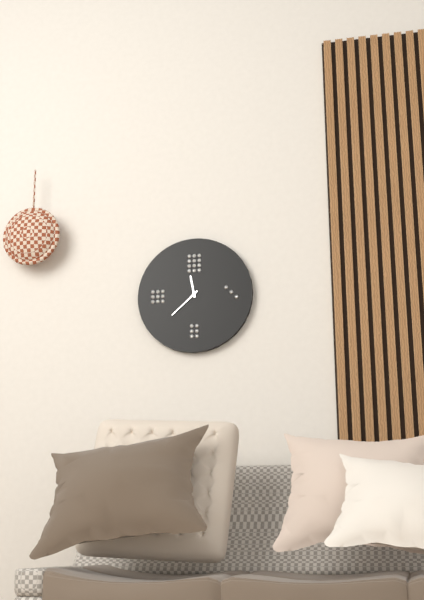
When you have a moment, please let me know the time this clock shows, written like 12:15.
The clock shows 11:38
